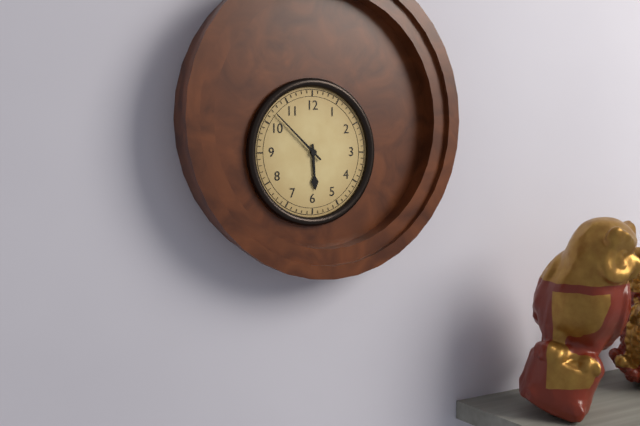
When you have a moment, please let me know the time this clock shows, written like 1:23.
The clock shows 5:52
